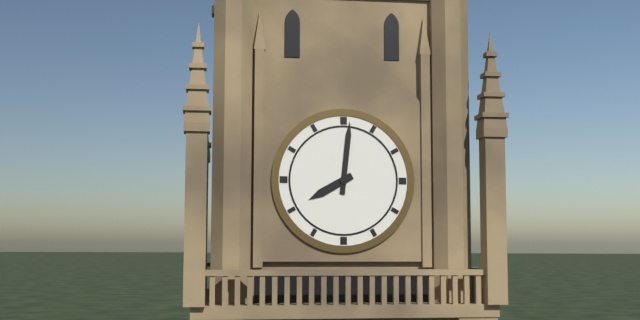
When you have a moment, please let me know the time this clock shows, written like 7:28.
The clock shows 8:01
